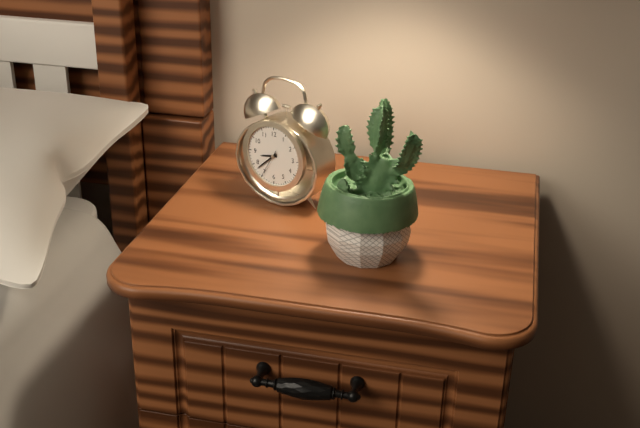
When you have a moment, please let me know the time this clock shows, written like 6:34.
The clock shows 8:38
